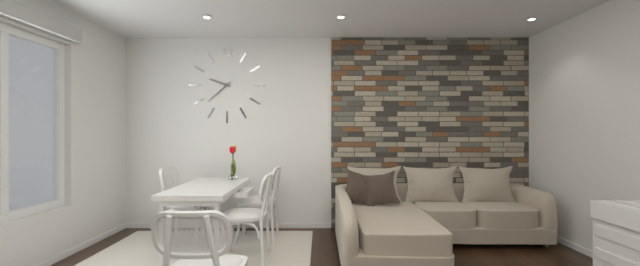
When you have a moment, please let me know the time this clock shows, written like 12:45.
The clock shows 9:38
